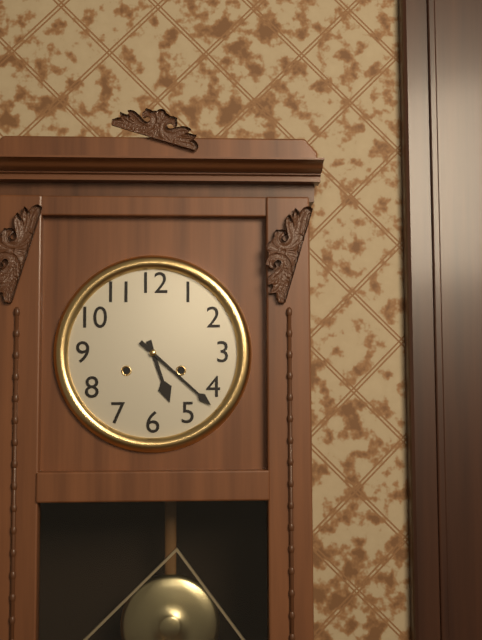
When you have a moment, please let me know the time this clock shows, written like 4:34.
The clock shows 5:22
